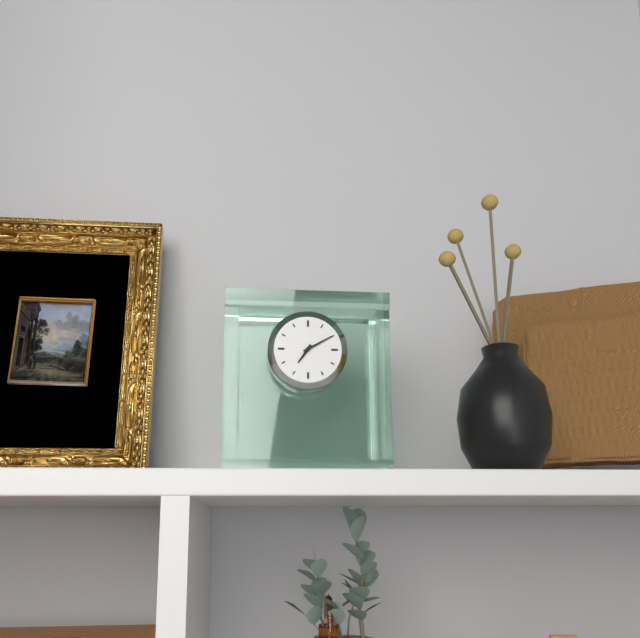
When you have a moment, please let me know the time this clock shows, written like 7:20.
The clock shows 7:10
